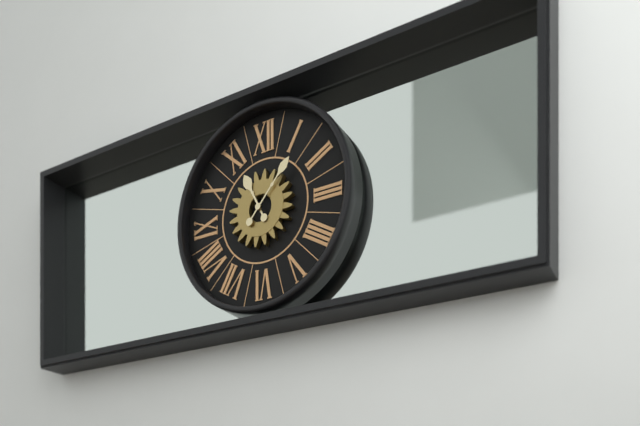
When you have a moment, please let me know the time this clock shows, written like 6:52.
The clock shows 11:07
